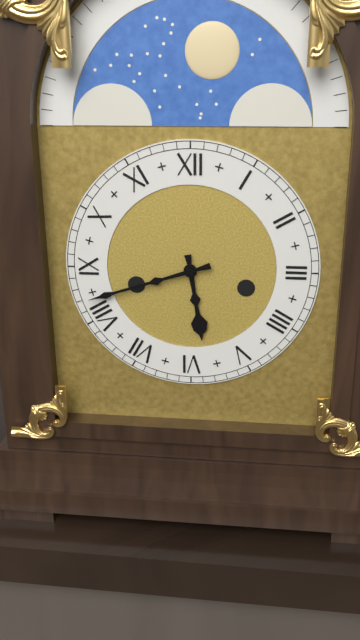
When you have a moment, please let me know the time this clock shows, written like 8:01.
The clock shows 5:42
